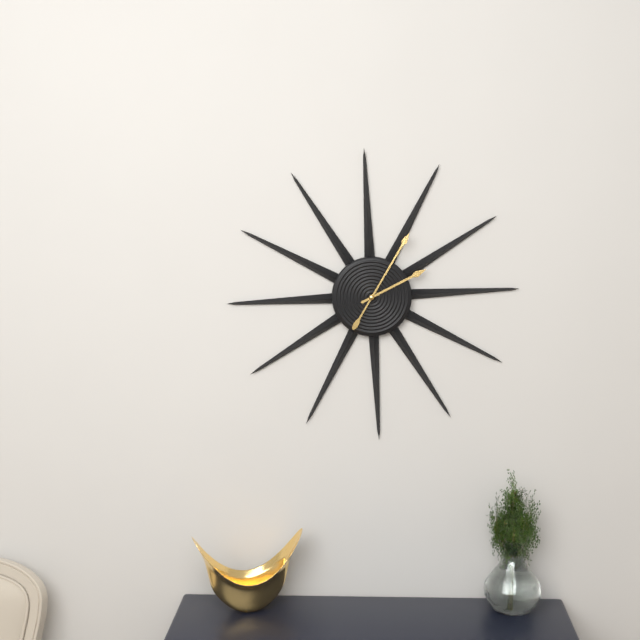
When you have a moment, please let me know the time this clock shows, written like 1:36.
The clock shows 2:05
